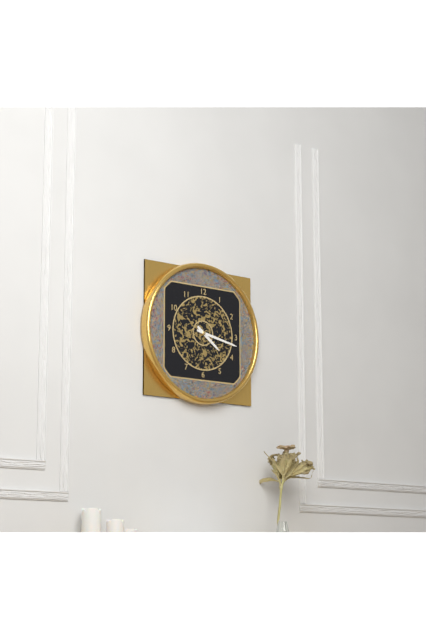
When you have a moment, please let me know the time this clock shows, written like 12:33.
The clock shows 4:17
